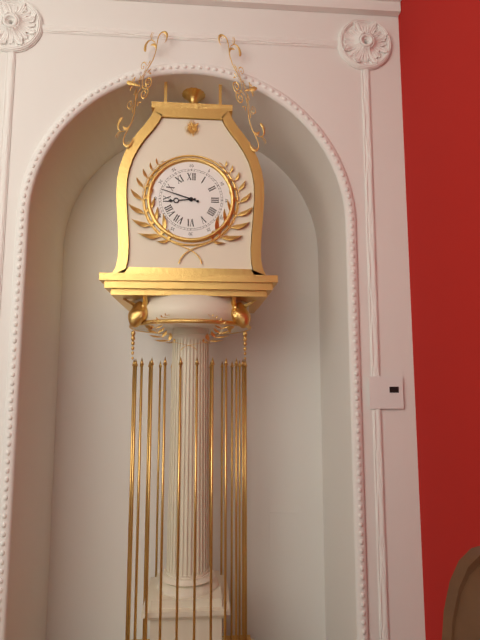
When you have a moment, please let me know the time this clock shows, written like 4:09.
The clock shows 8:48
